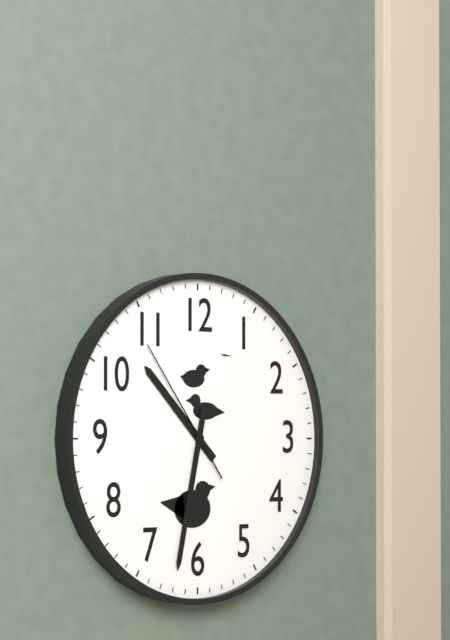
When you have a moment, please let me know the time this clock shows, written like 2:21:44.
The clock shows 10:32:54
